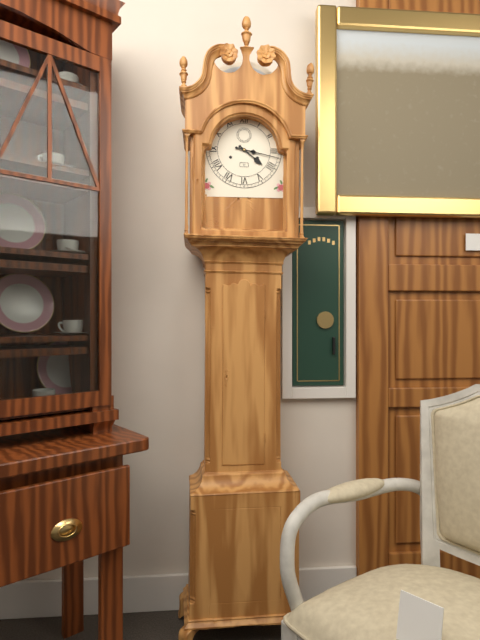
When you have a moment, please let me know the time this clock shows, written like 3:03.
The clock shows 4:17
